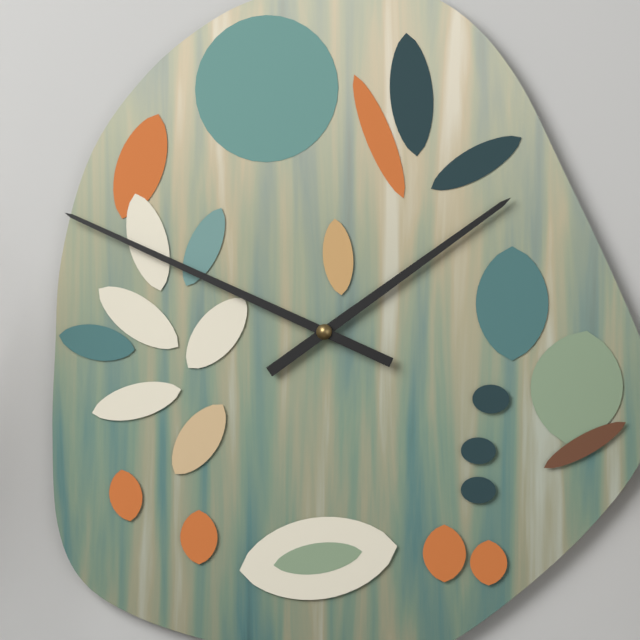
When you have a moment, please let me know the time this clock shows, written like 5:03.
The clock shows 1:49
